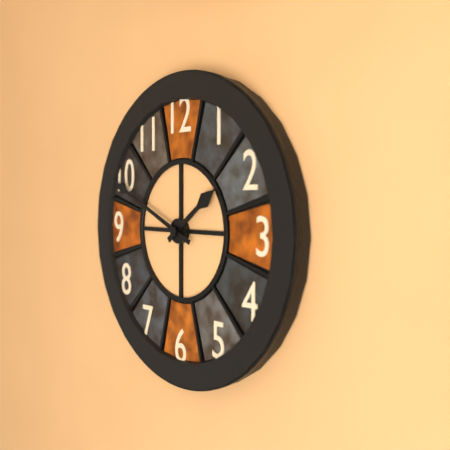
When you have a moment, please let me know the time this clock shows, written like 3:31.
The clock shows 1:49
